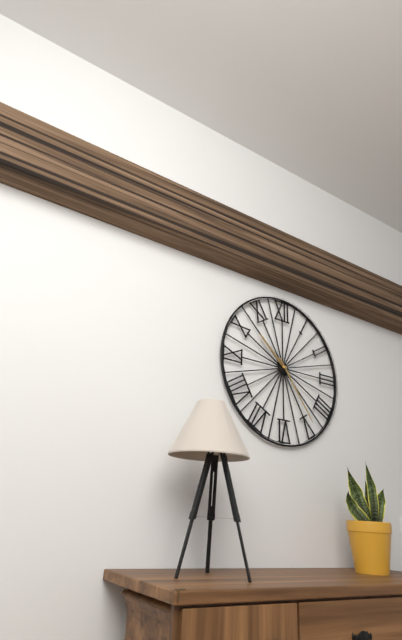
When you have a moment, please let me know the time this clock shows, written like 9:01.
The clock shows 10:24
